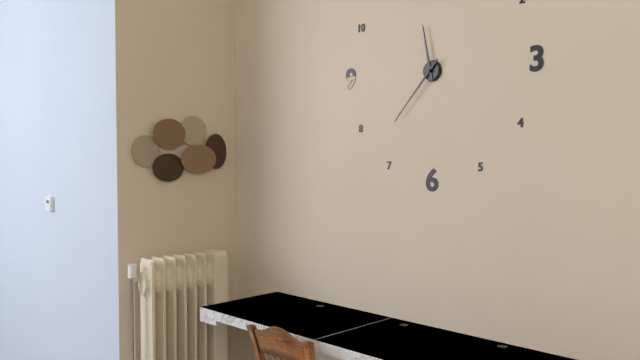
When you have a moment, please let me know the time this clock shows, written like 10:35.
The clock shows 11:37
